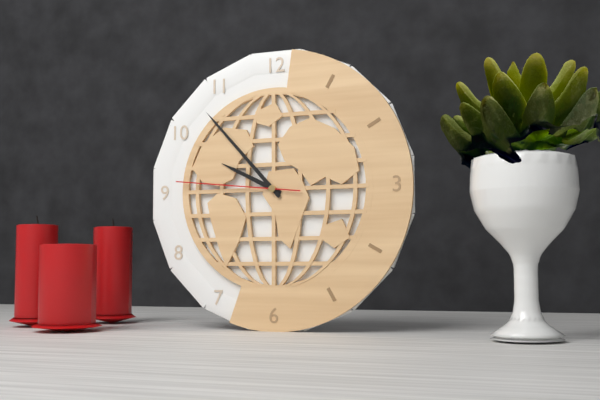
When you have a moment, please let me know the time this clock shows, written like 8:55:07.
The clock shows 9:53:46
